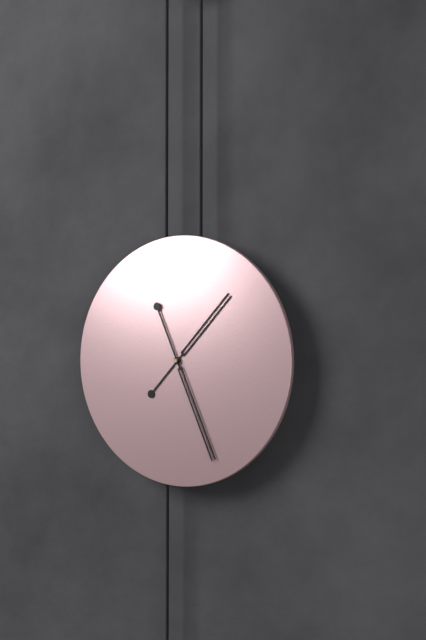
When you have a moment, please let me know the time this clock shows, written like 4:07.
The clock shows 1:26
